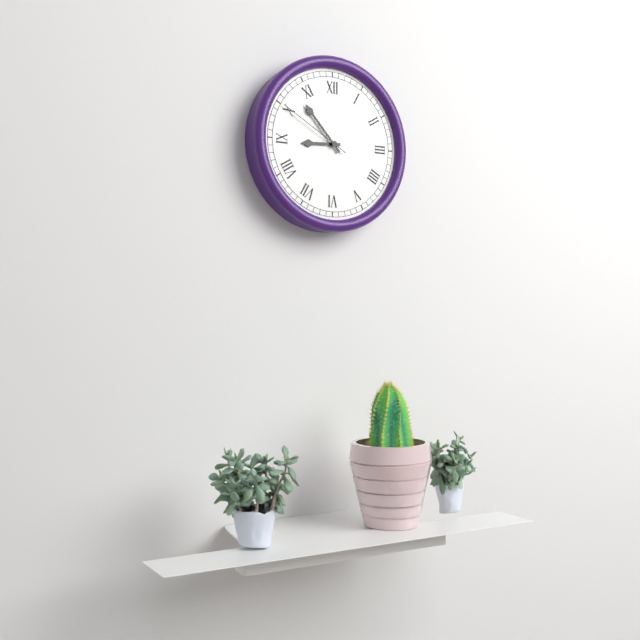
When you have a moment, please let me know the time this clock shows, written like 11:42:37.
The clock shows 8:53:50
